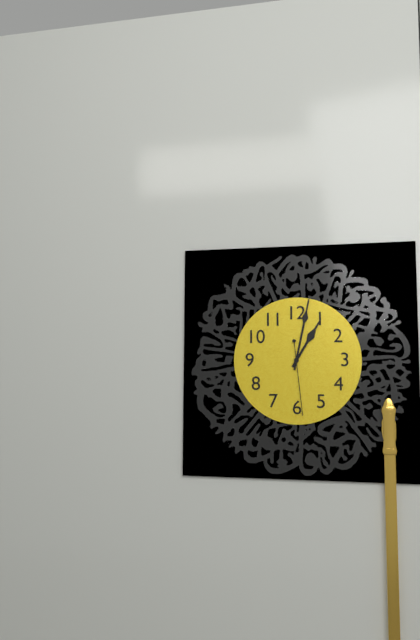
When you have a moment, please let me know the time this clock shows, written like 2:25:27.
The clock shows 1:02:29
